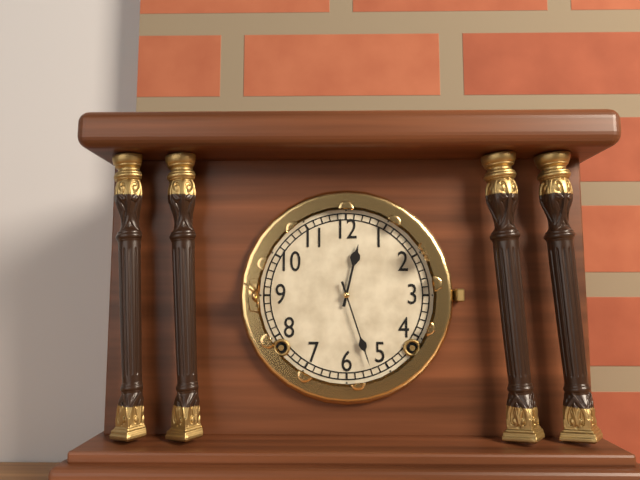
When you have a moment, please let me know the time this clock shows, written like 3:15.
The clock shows 12:27
